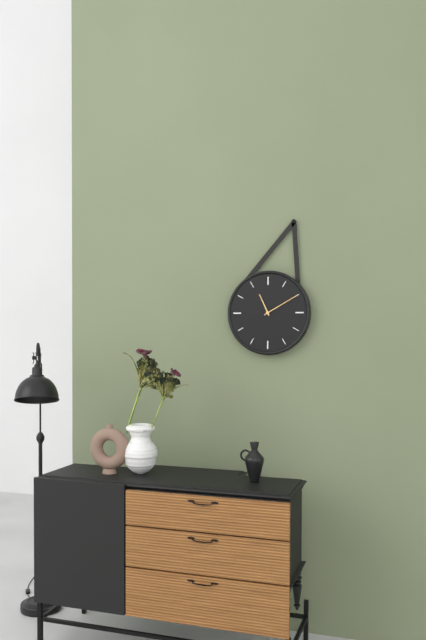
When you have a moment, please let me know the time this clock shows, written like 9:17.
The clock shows 11:10
